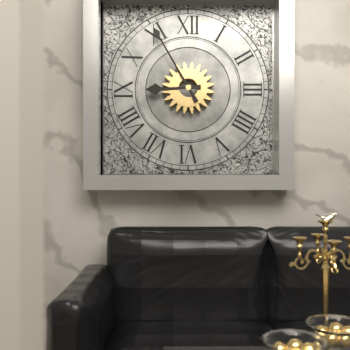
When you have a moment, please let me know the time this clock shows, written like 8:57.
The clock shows 8:55
